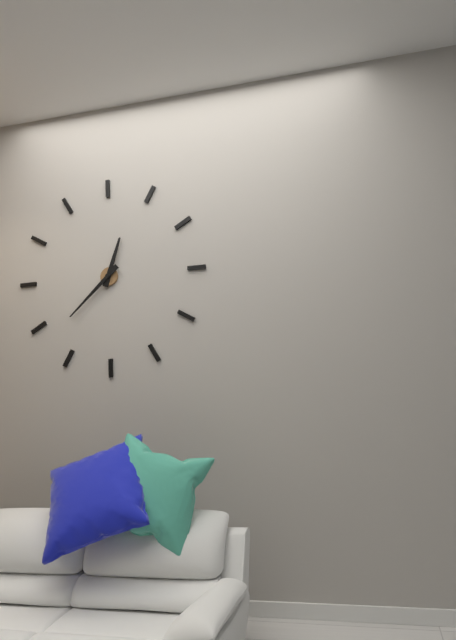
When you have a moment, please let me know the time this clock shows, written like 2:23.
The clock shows 12:38
